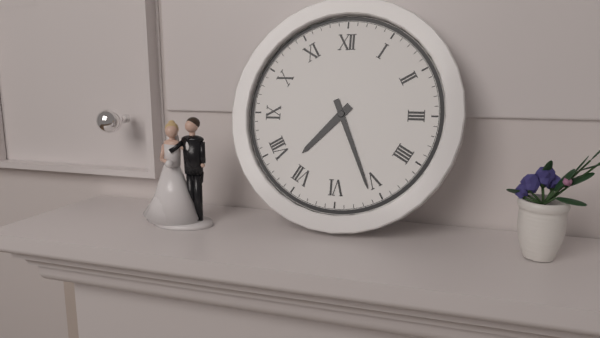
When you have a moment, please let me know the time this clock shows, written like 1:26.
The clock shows 7:26
